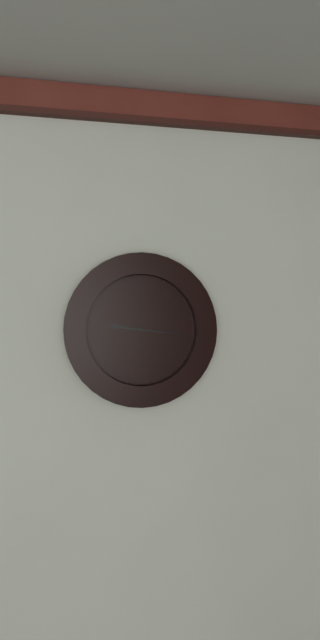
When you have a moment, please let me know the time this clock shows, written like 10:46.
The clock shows 9:16
